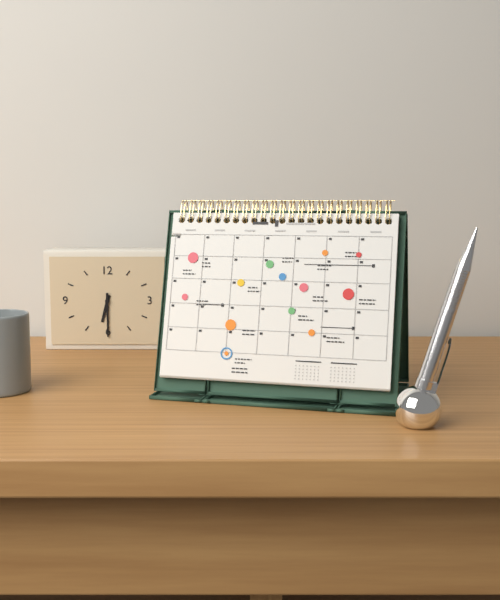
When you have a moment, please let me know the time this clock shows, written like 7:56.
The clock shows 6:30
